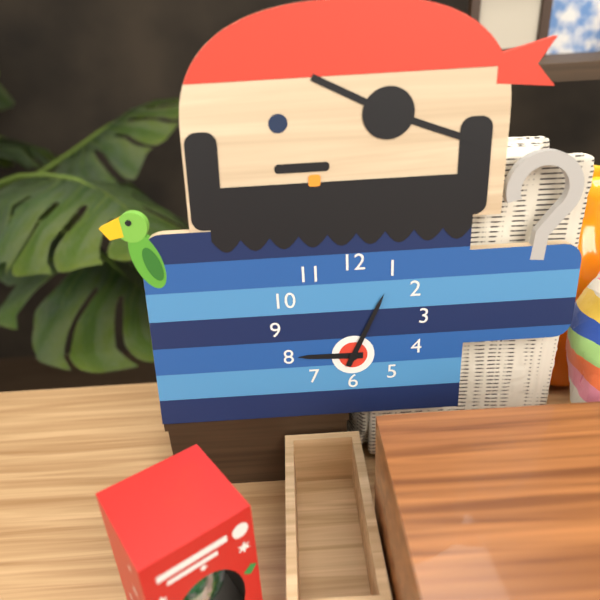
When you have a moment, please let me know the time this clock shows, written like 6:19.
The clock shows 9:04
